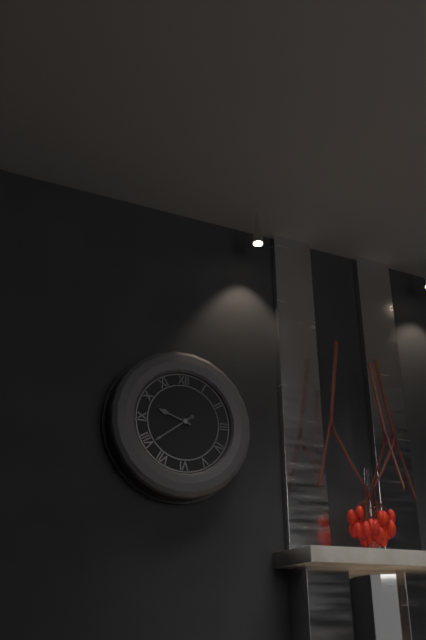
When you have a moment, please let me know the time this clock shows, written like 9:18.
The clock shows 9:39
